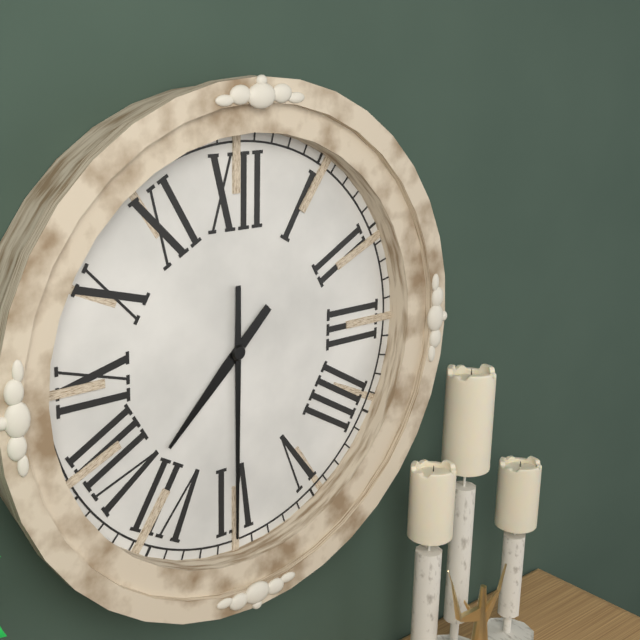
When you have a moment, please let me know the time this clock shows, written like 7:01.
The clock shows 7:30
